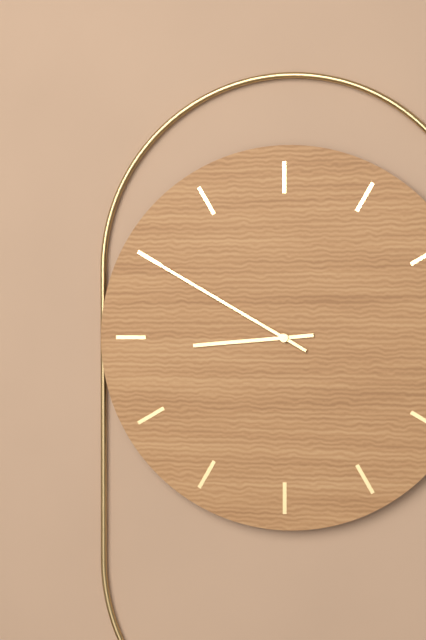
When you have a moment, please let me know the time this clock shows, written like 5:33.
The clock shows 8:50
